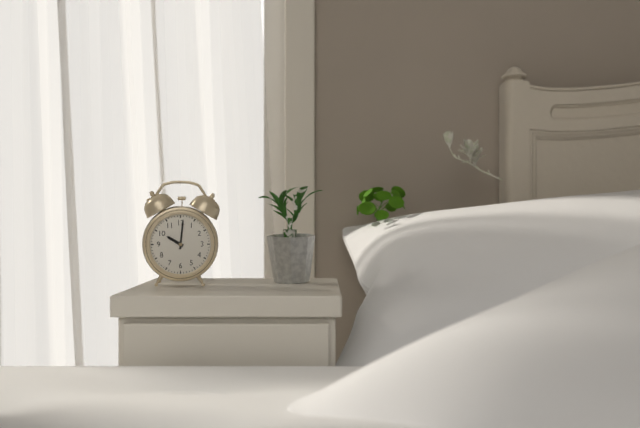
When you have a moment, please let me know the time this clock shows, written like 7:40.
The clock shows 10:01
